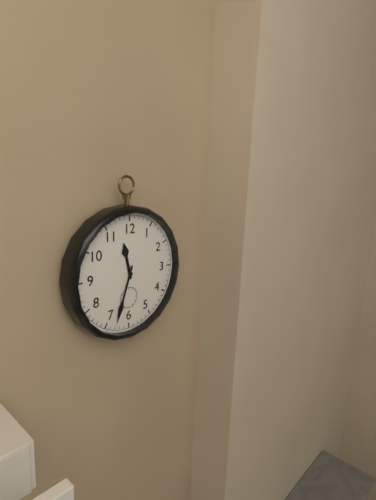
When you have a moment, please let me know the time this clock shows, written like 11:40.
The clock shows 11:33
